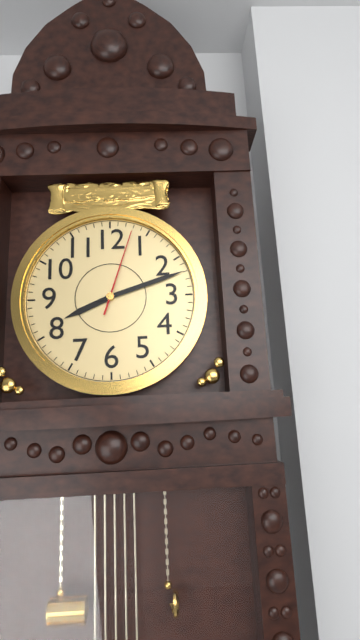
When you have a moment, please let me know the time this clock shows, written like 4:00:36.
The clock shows 8:12:03
